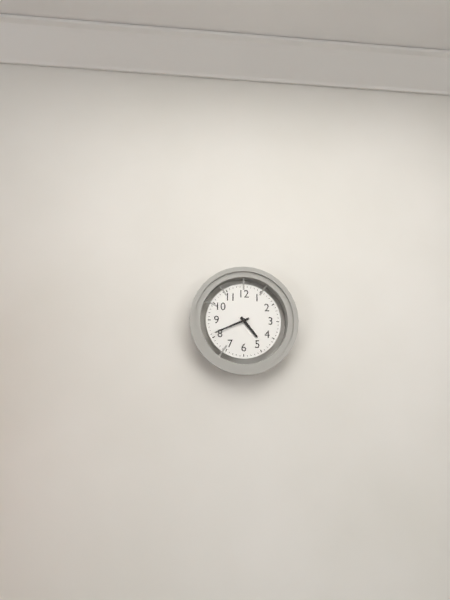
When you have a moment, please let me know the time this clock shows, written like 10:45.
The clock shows 4:41
